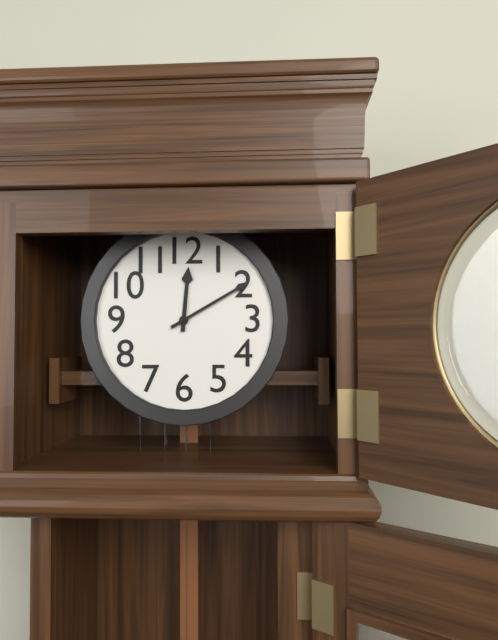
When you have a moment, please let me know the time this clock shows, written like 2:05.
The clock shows 12:10
